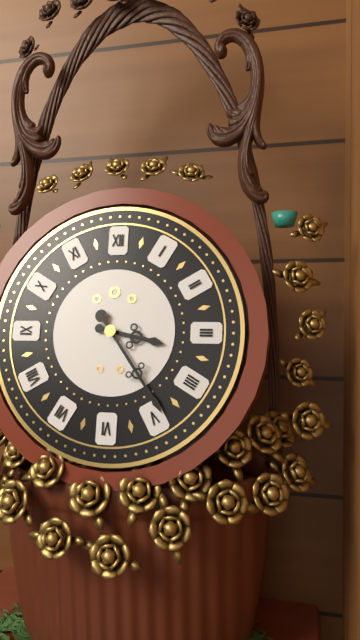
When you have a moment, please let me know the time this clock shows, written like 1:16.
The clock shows 3:24
